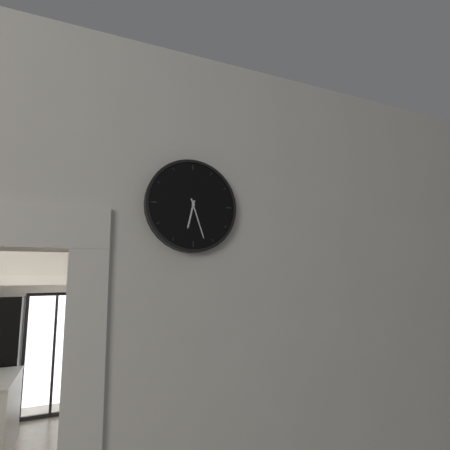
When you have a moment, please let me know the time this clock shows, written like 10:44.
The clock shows 6:27
